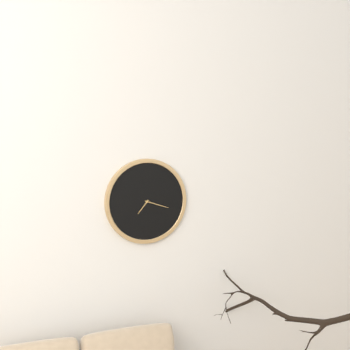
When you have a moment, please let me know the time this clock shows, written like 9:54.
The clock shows 7:18
